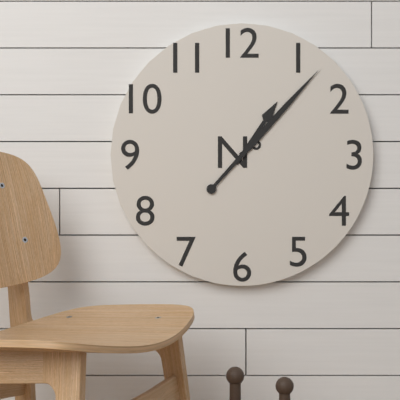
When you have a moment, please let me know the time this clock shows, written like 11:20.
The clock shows 1:07
